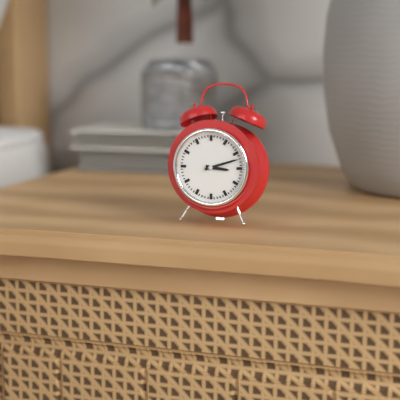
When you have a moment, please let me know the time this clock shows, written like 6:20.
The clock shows 3:12
